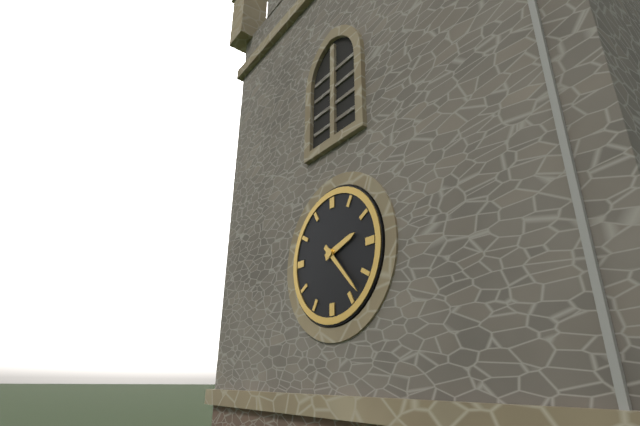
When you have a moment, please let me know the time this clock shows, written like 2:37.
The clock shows 2:23
